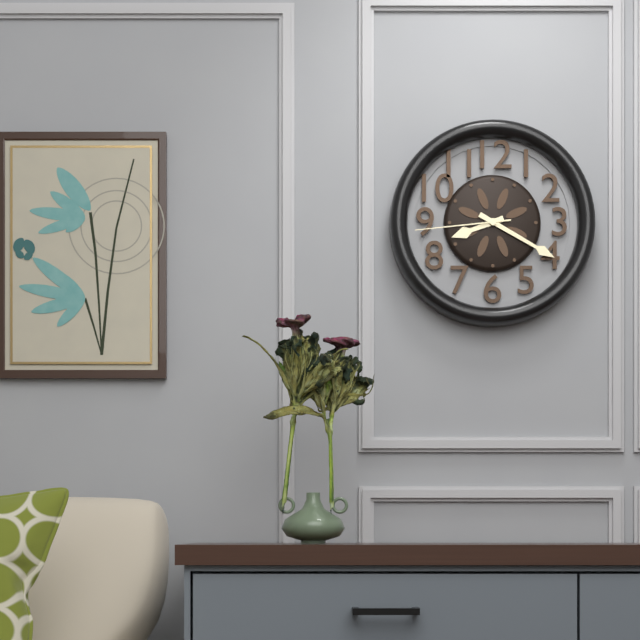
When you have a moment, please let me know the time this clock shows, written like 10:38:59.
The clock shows 8:20:44
